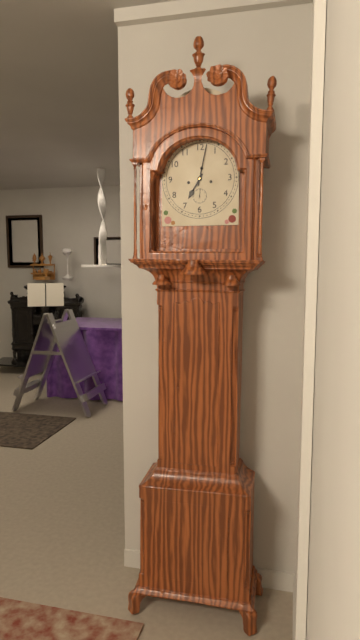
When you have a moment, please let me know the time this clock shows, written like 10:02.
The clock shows 7:02
